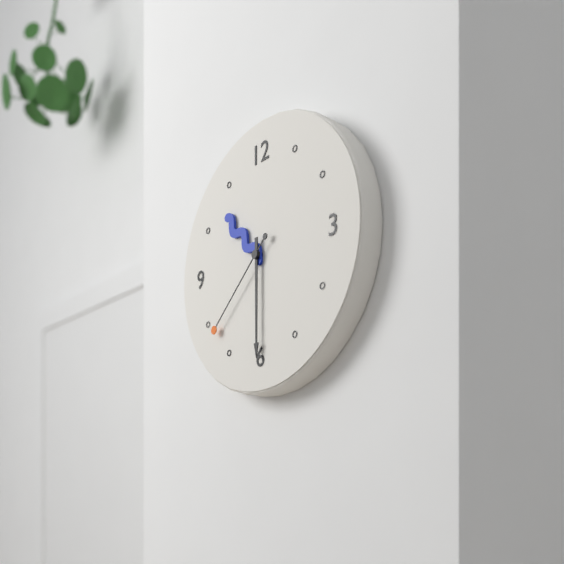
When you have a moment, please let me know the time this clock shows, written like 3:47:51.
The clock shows 10:30:38
